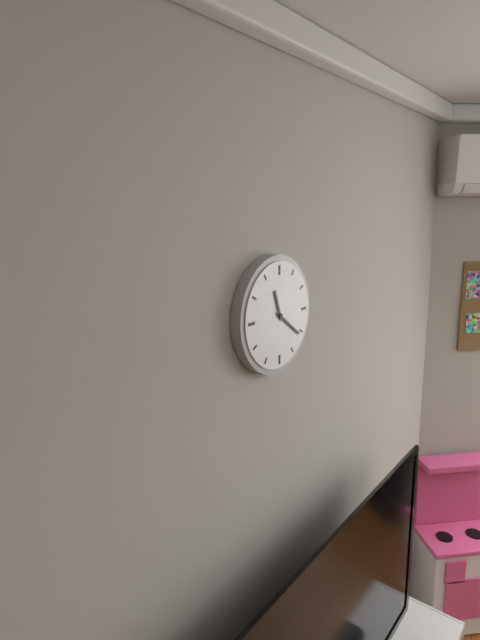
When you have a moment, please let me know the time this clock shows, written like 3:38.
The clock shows 11:21
